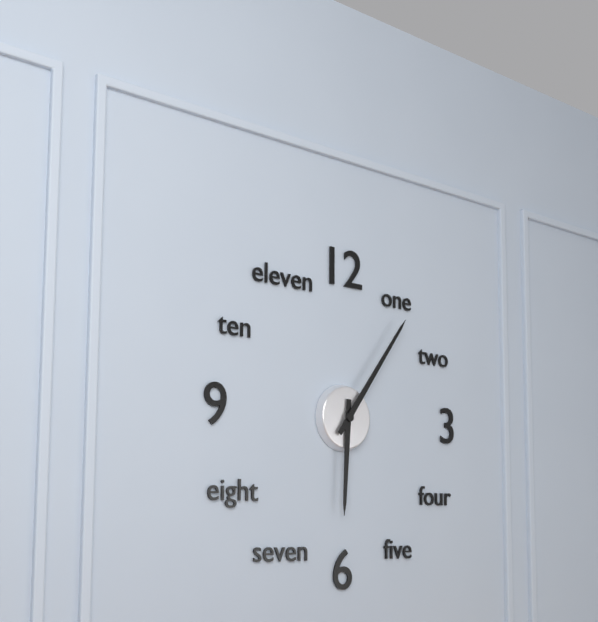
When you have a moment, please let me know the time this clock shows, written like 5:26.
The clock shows 6:06
